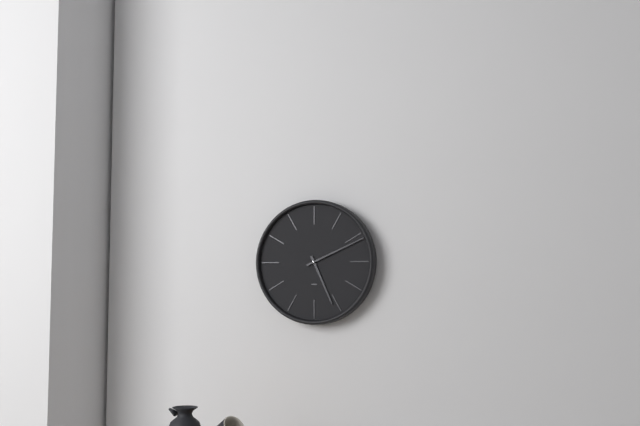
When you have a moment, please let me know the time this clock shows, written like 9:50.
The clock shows 5:11
